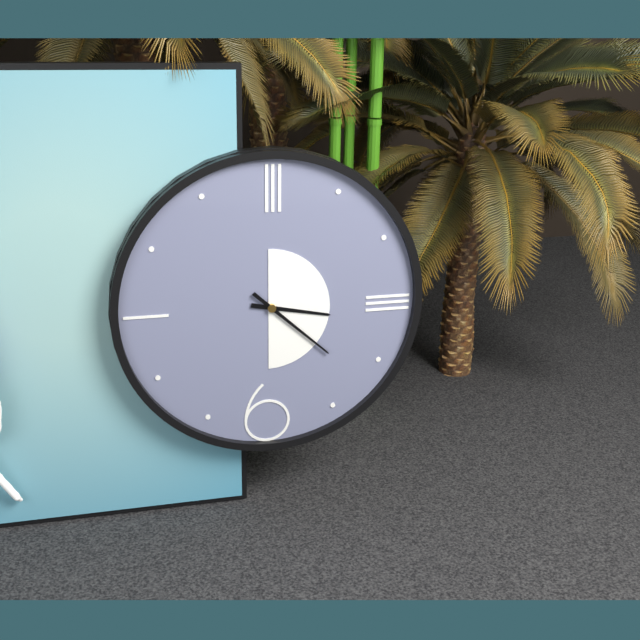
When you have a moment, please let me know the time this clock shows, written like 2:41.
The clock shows 3:22
